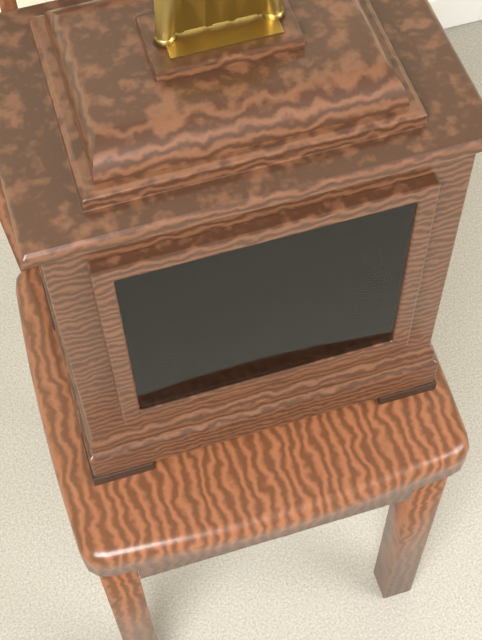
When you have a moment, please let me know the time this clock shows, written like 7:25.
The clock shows 9:00
